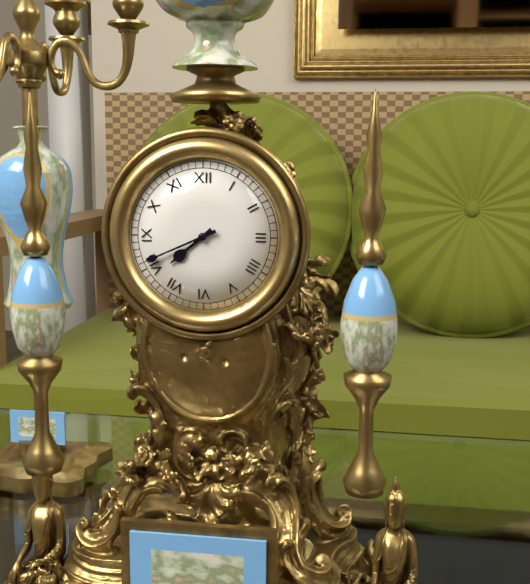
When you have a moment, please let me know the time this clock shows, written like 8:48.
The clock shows 7:41
